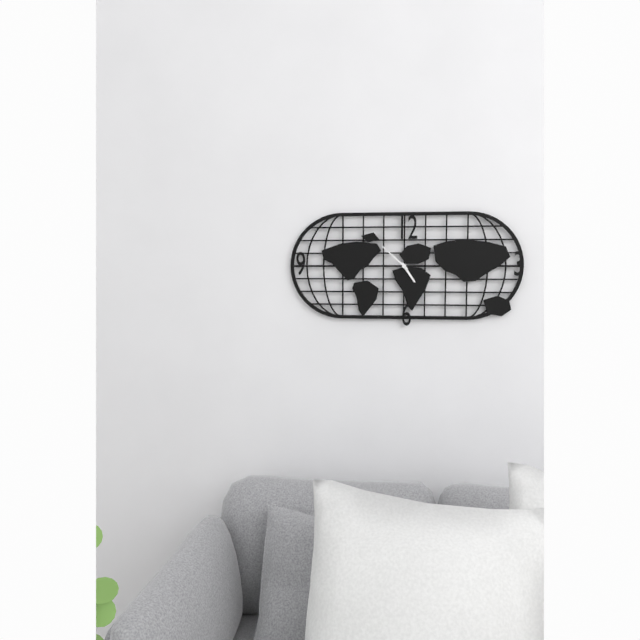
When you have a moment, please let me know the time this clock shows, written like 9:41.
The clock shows 4:52
